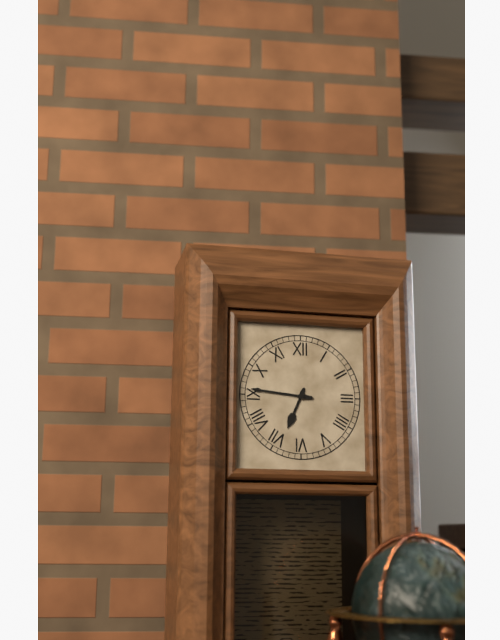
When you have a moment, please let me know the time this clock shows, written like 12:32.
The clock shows 6:46
